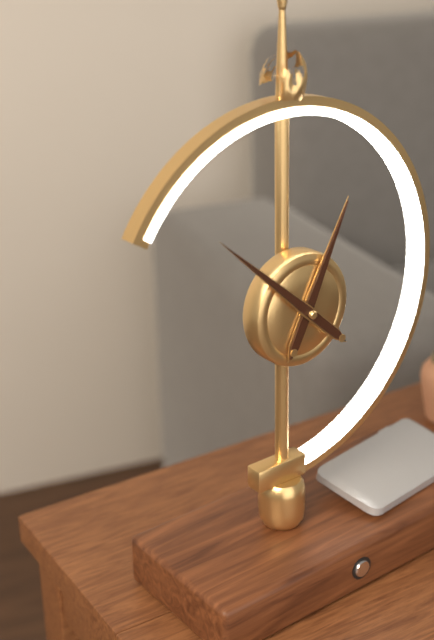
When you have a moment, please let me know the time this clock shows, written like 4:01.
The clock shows 12:52
